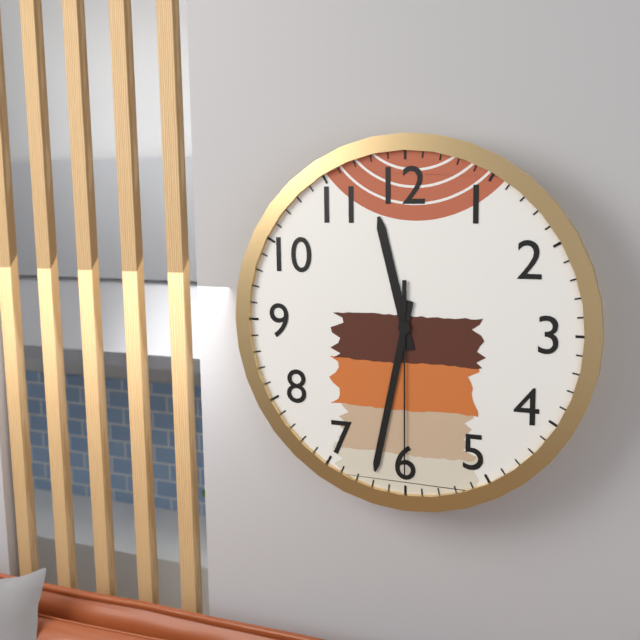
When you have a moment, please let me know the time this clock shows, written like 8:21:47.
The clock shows 11:32:30
